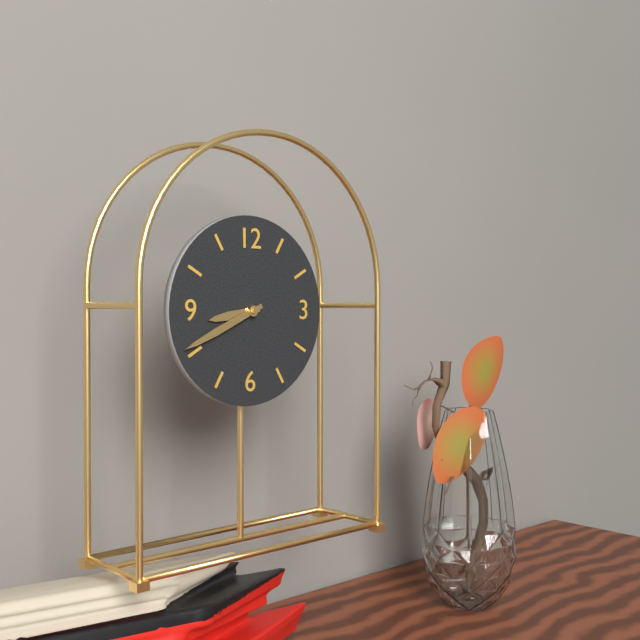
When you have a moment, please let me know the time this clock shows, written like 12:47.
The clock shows 8:41
